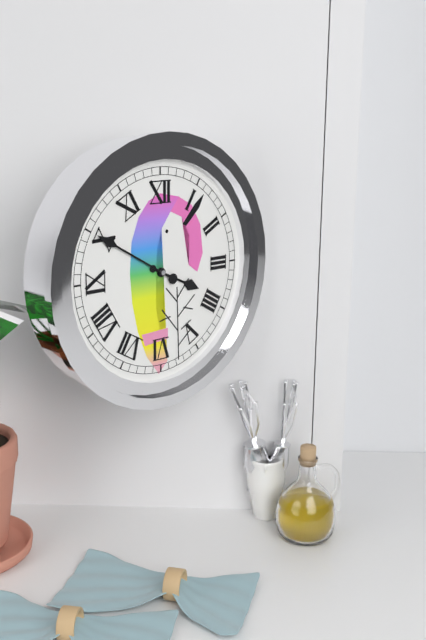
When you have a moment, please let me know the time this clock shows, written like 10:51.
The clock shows 3:50
